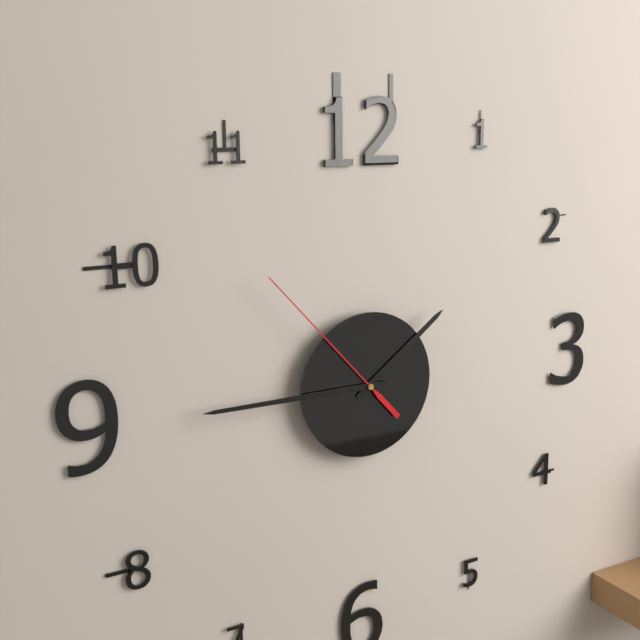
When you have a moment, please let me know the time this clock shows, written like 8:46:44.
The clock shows 1:45:53
